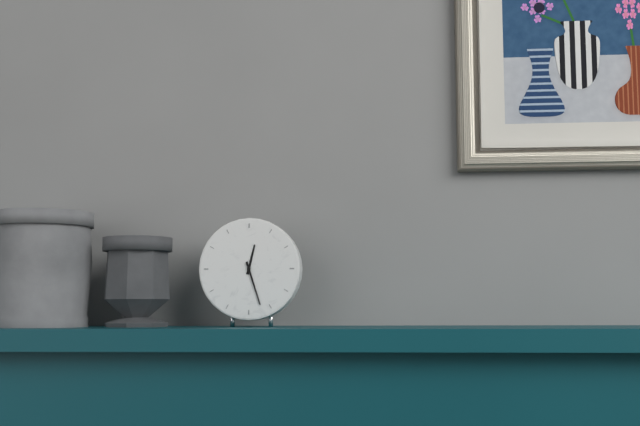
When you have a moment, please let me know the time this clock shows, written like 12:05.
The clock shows 12:27
